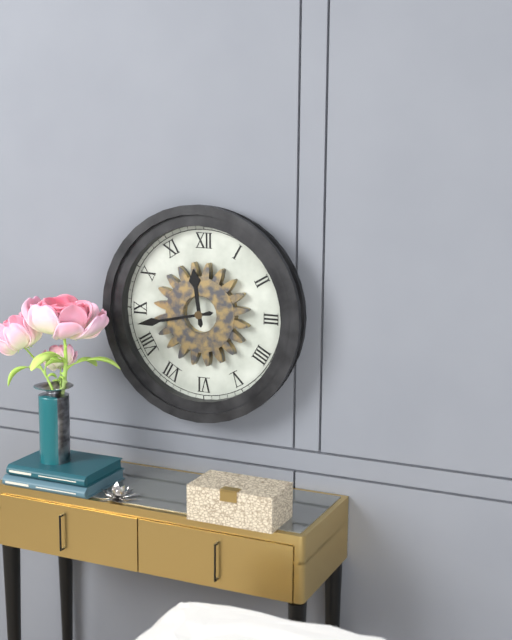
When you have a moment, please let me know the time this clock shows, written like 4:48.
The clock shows 11:43
